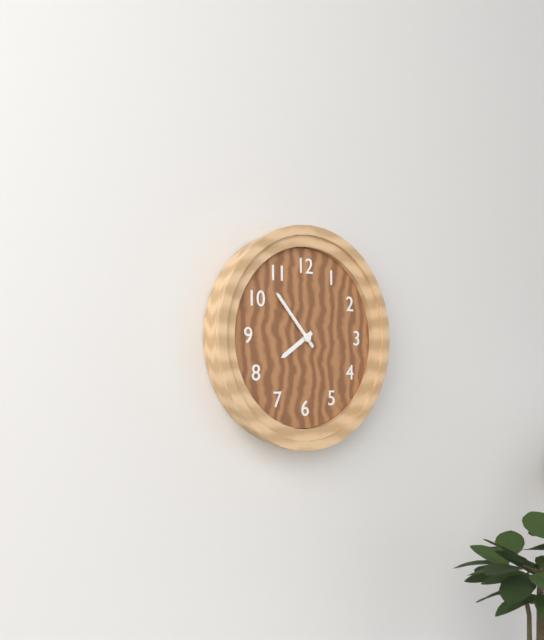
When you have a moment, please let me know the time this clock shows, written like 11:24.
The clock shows 7:53
